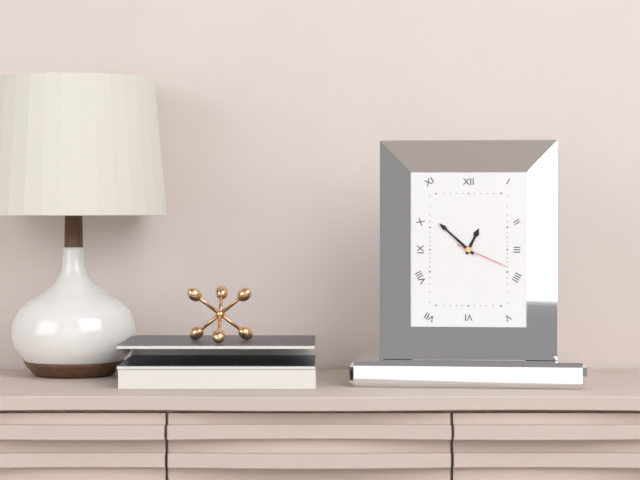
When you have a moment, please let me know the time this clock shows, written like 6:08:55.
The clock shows 12:52:19
